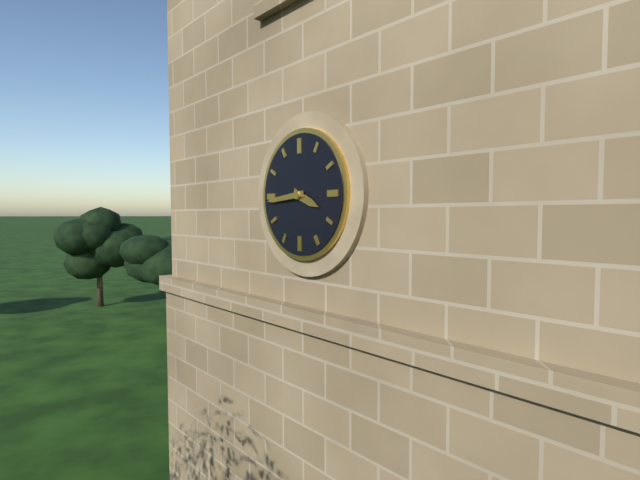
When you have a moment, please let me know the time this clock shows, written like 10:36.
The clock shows 3:44
